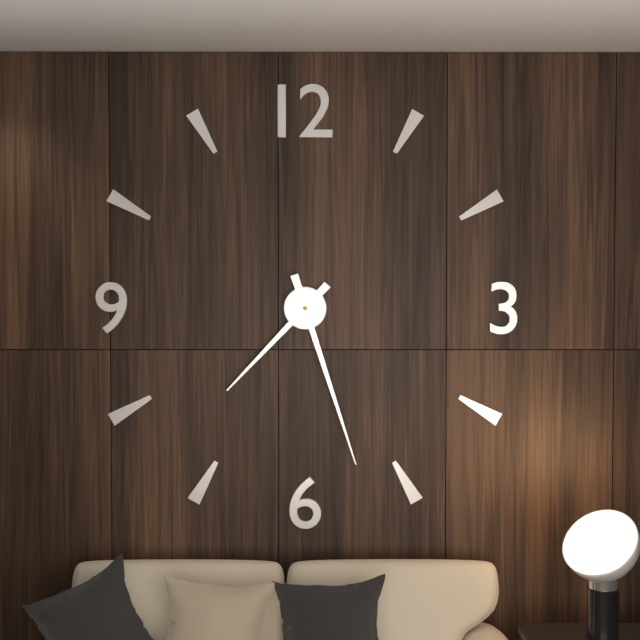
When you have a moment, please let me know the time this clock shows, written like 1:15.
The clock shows 7:27
